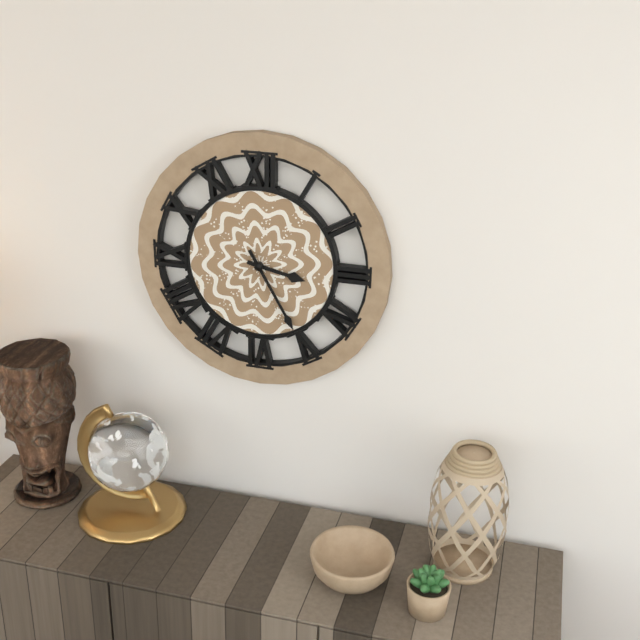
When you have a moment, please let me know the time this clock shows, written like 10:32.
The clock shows 3:25
